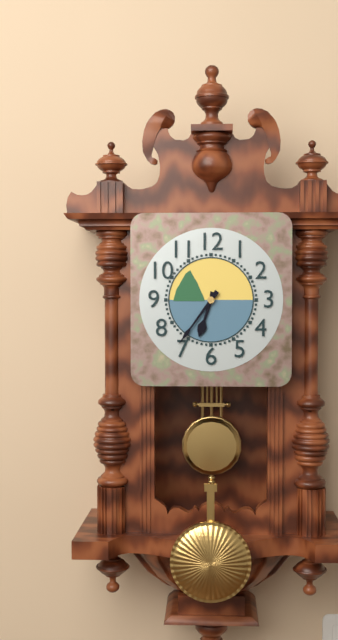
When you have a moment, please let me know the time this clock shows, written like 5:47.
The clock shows 6:36
